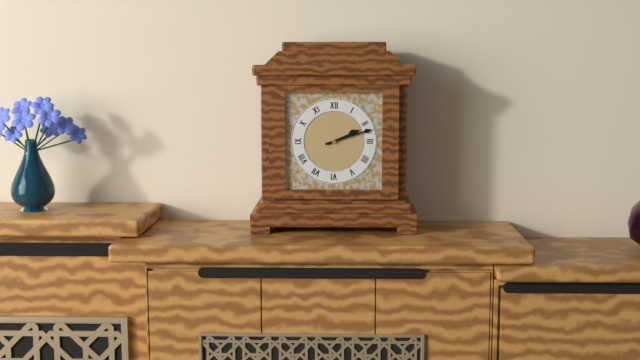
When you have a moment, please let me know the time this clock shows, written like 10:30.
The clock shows 2:12
